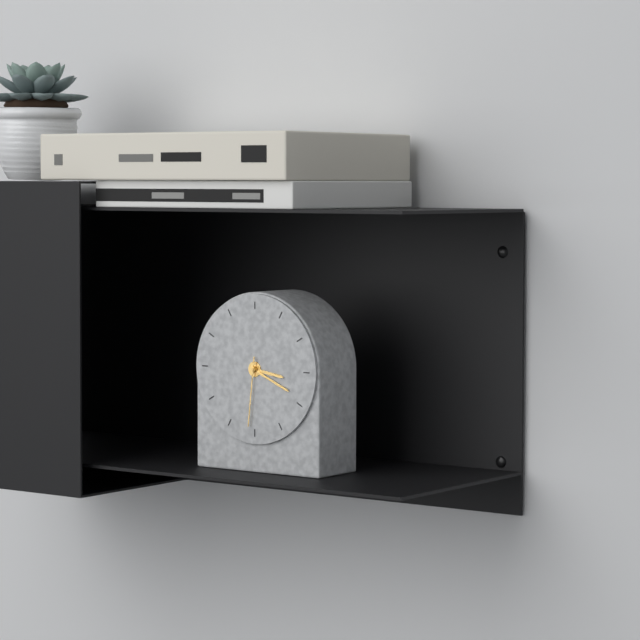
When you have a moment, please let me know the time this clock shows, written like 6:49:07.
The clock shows 3:19:31
